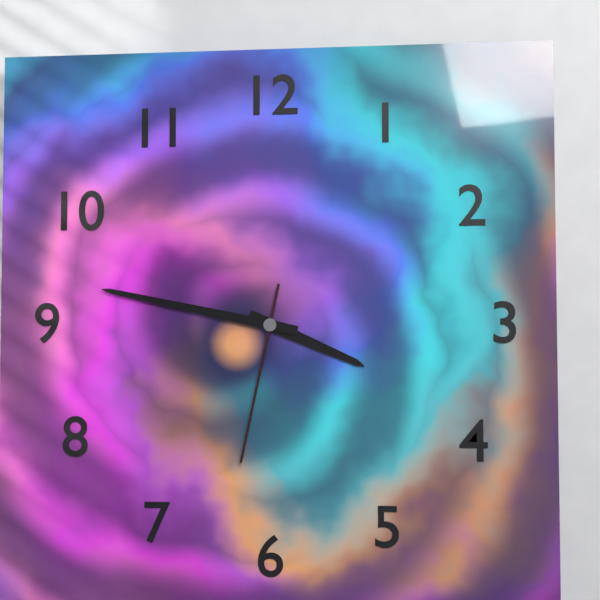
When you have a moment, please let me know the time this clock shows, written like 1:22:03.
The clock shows 3:47:32
